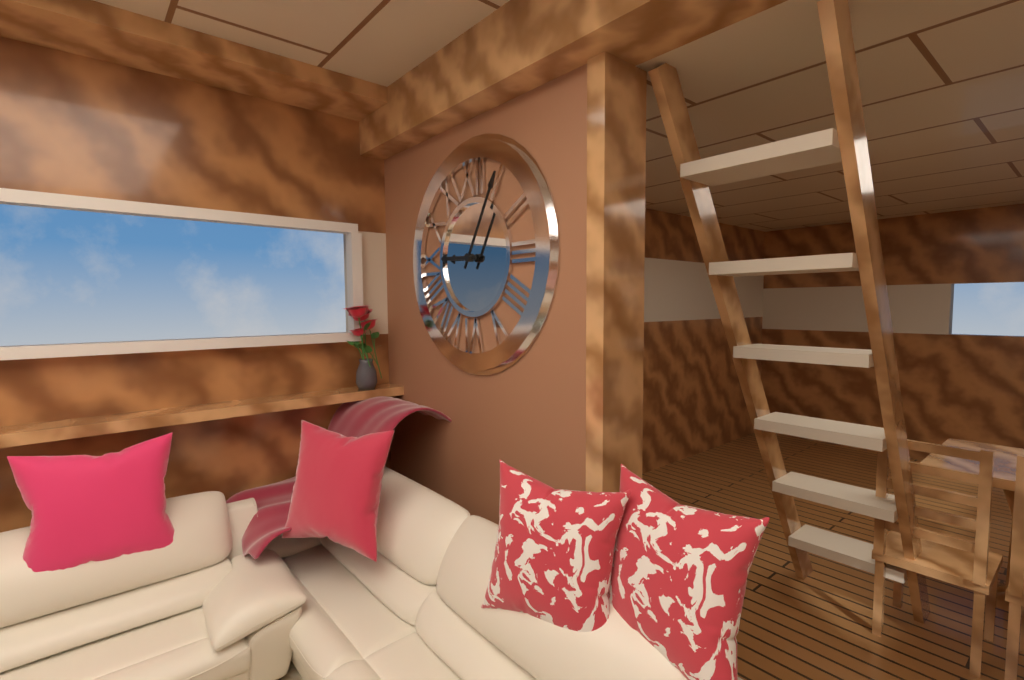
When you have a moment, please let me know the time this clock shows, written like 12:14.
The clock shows 9:05
